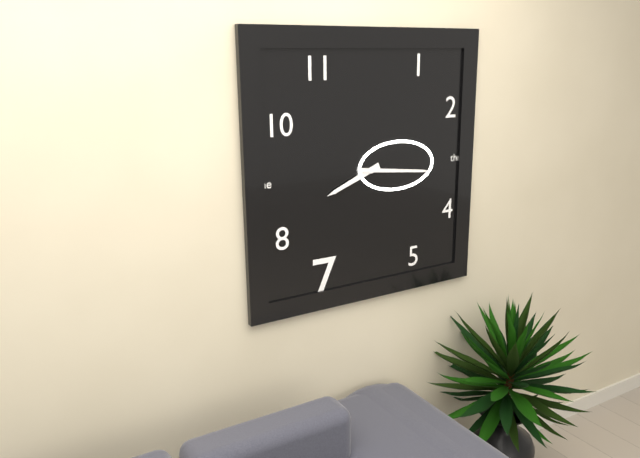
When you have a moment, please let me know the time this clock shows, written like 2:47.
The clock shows 8:16
